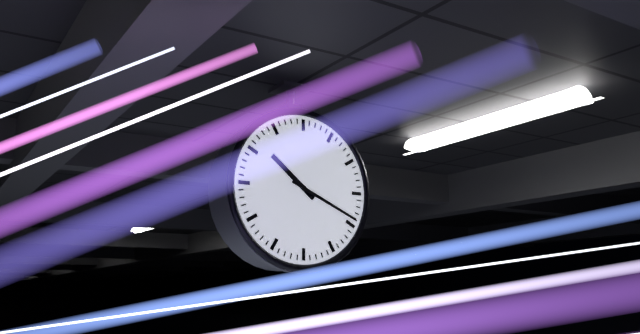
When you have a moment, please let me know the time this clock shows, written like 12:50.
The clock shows 10:19
